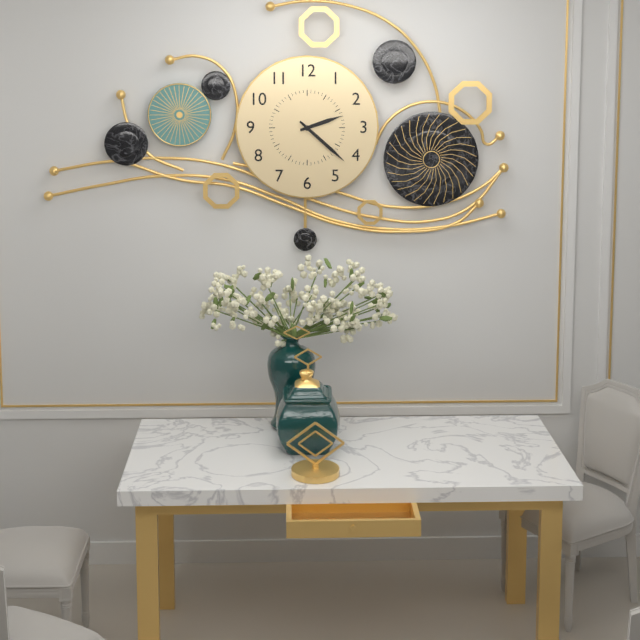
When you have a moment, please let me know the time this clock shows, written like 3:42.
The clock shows 2:22
